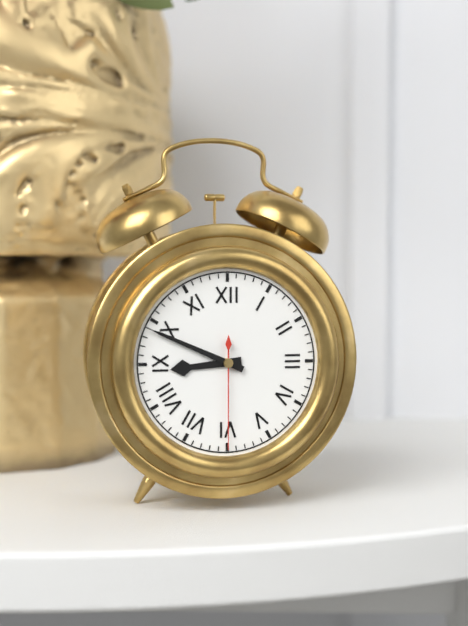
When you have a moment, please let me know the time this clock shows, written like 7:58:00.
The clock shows 8:49:30
